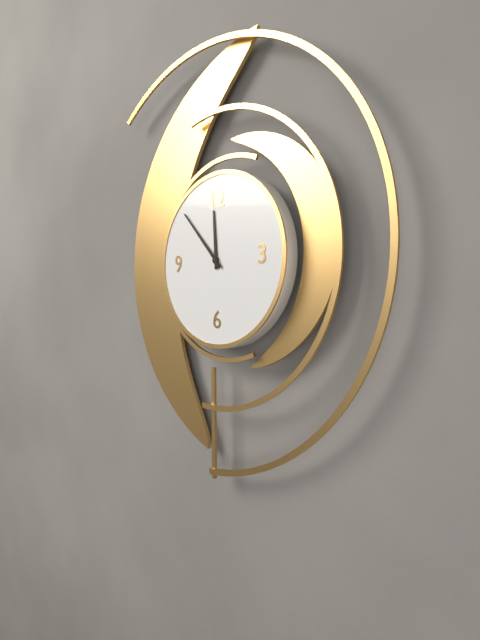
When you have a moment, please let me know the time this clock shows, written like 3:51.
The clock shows 11:53
